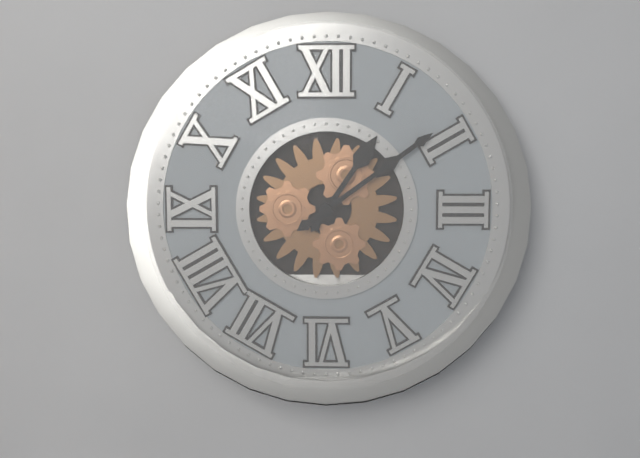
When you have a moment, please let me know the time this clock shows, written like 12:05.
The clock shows 1:09
